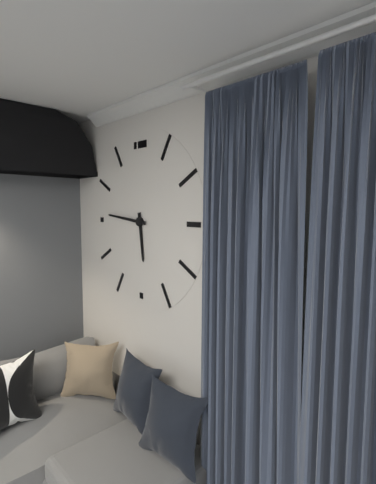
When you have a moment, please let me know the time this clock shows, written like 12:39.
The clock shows 5:46
